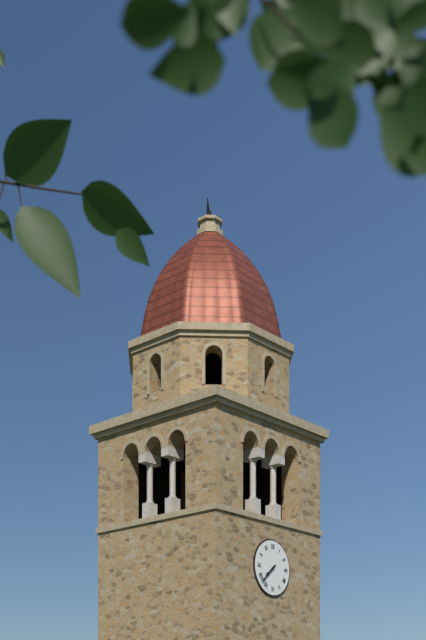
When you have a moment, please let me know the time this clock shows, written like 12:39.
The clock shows 7:38
